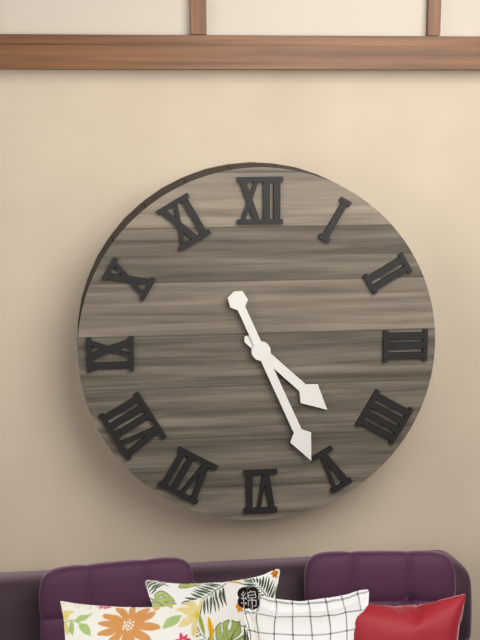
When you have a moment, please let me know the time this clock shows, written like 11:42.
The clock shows 4:26
